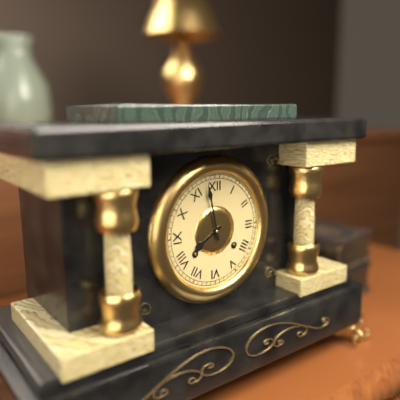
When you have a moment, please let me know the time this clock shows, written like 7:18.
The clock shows 7:58
